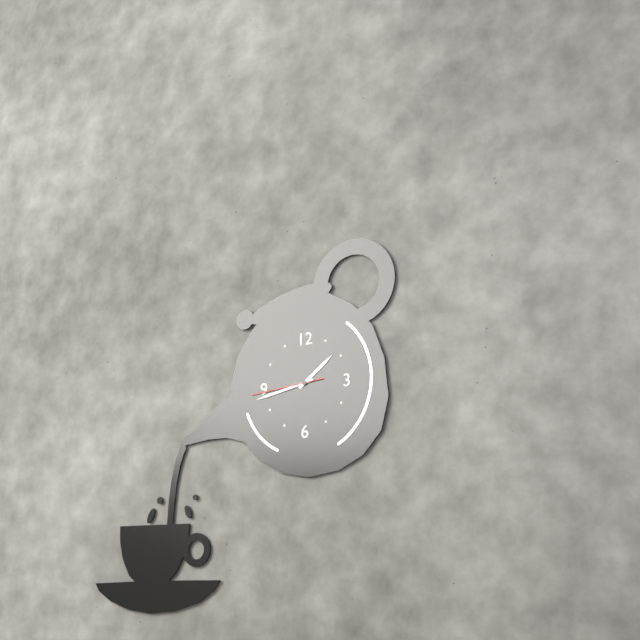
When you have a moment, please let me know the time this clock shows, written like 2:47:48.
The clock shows 1:43:44
